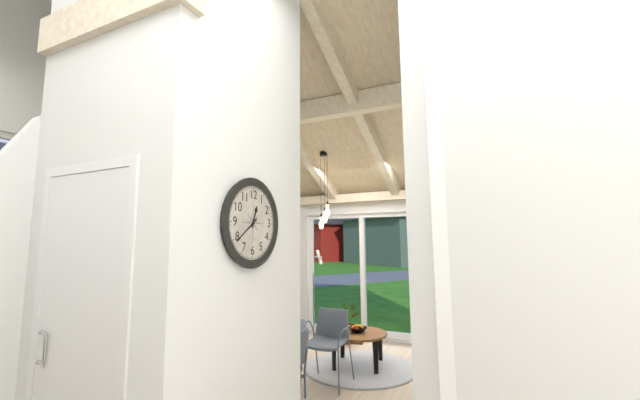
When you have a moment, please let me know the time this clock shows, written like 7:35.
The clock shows 12:39
